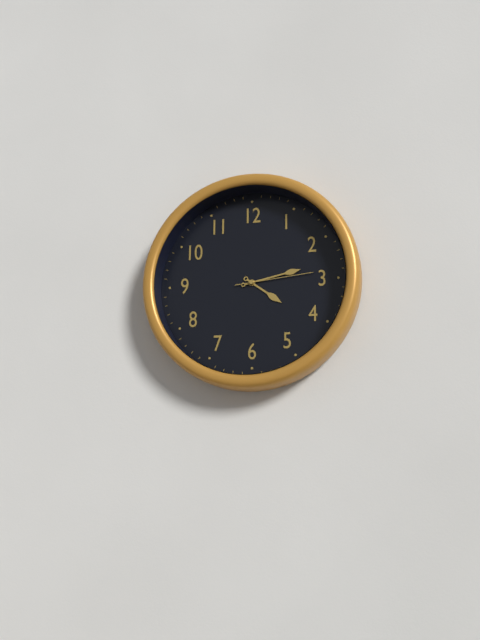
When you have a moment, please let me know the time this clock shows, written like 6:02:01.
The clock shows 4:13:14
